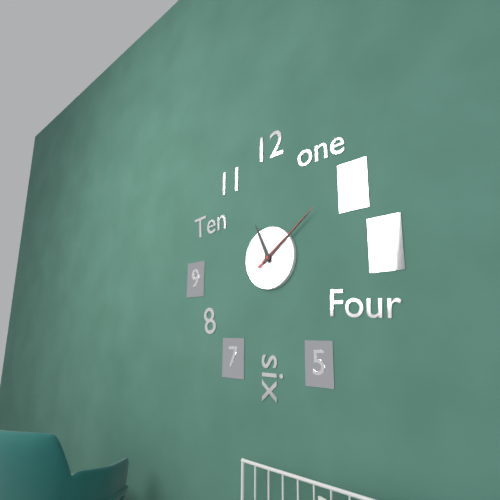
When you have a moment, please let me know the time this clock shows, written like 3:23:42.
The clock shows 11:09:09
